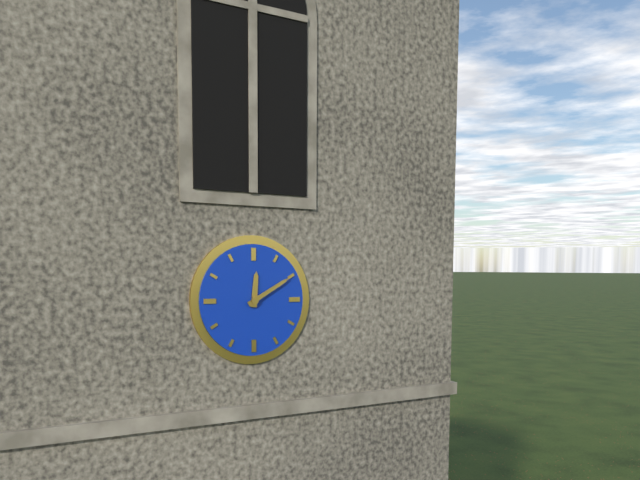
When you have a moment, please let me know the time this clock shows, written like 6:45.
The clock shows 12:10
